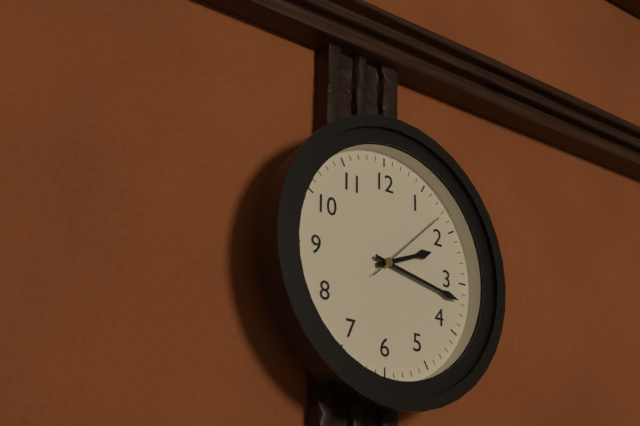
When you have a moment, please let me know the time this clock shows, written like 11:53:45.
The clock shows 2:17:08
